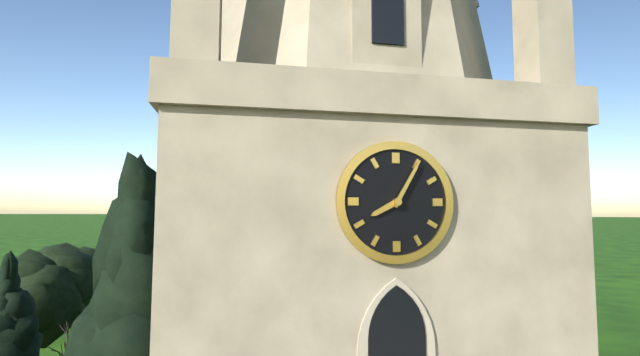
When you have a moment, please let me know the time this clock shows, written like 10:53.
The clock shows 8:05
